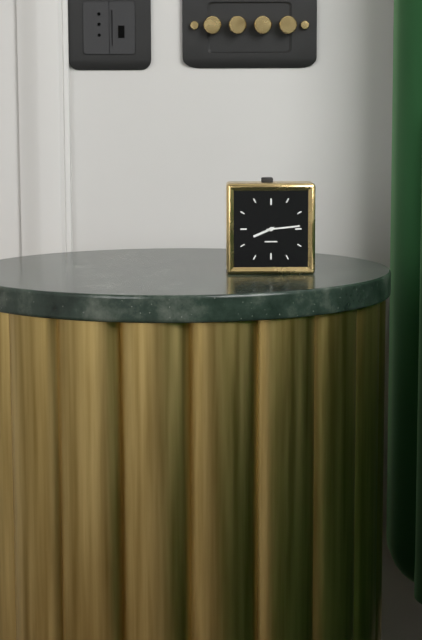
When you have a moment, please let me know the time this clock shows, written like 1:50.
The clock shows 8:14
